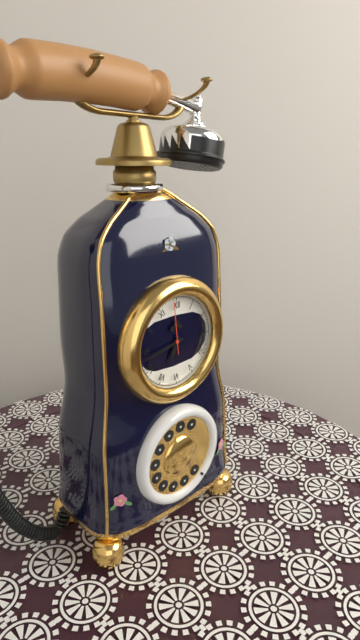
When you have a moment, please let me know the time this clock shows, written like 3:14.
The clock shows 6:43
